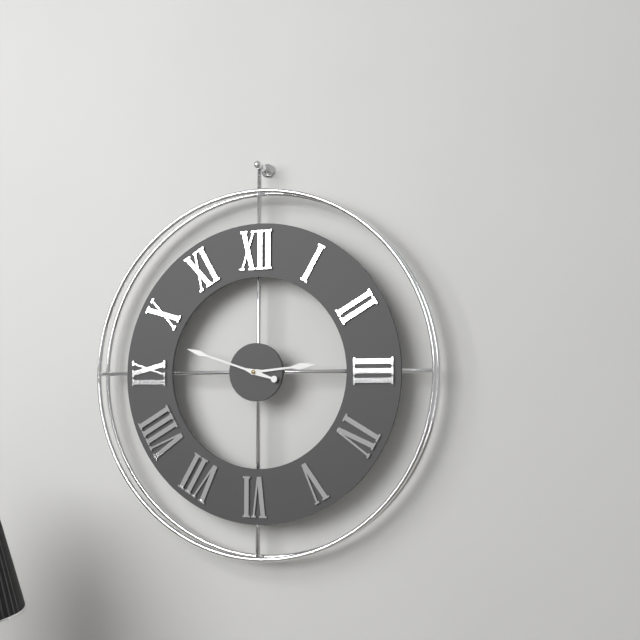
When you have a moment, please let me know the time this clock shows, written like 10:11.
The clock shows 2:48
